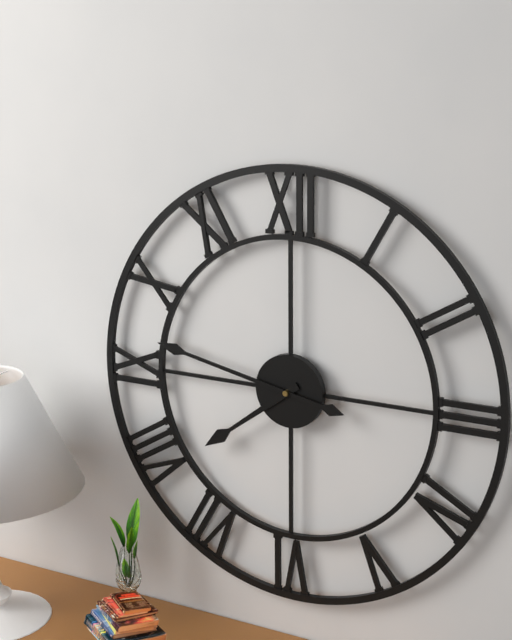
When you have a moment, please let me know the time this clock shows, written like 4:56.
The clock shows 7:47
